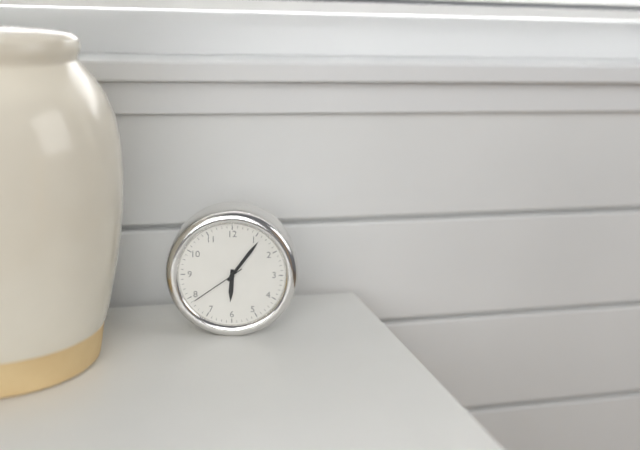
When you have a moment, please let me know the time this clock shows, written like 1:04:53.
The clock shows 6:06:39
